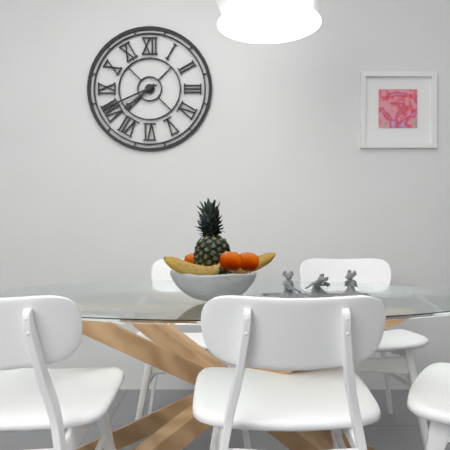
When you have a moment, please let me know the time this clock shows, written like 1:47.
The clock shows 7:41
